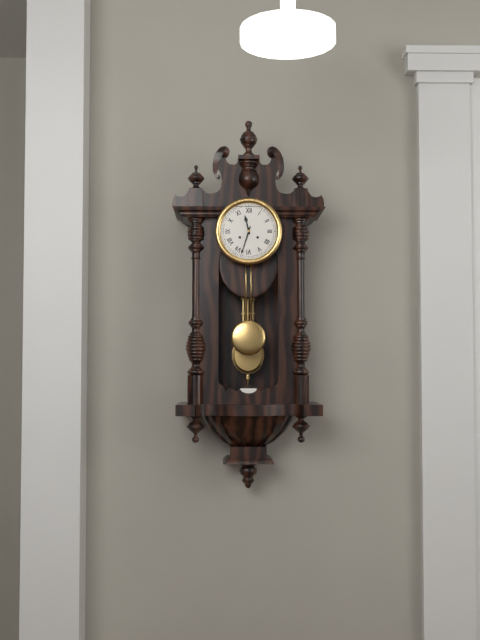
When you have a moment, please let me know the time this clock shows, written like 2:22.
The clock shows 11:33
